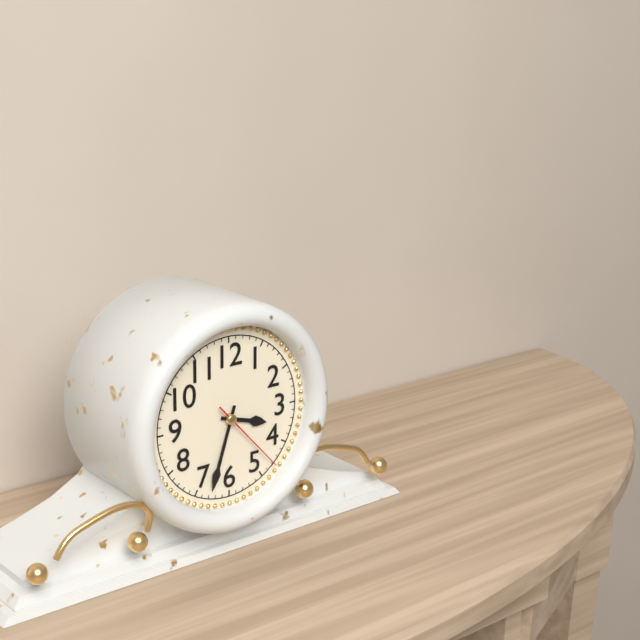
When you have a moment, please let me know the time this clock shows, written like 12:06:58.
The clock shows 3:33:23
